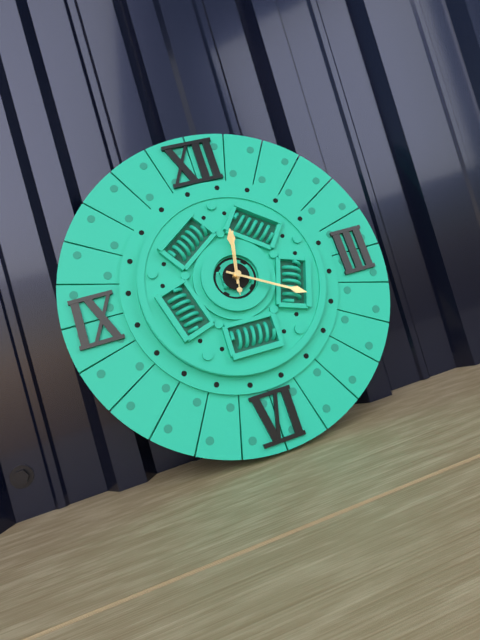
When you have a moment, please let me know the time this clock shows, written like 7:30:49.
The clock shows 12:20:02
